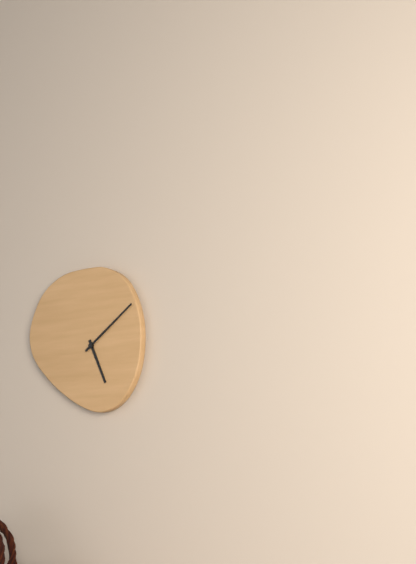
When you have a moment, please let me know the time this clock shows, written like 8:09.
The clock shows 5:09
